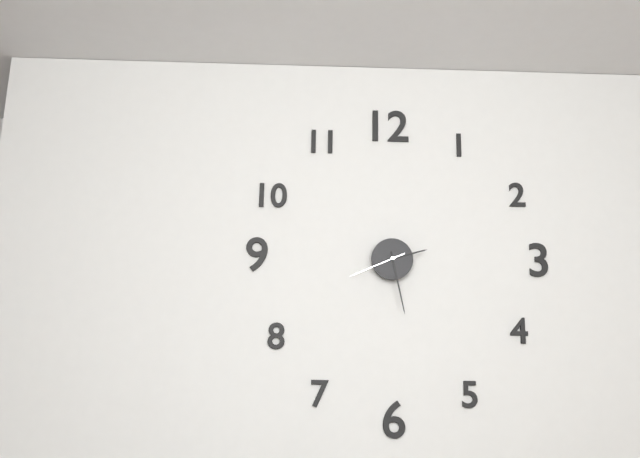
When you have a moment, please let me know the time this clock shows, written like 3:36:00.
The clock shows 2:28:41
